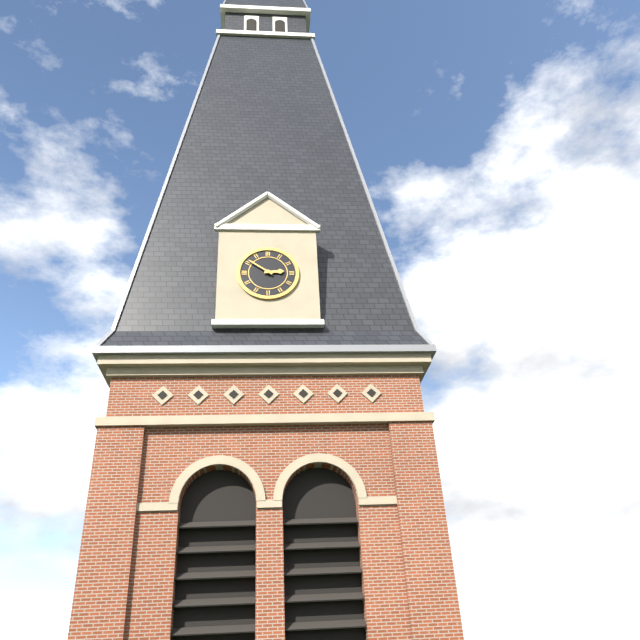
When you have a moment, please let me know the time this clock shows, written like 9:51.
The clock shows 2:51
